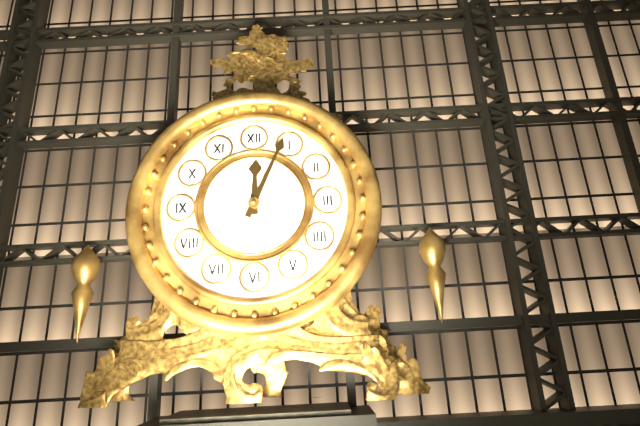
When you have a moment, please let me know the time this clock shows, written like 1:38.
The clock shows 12:04
